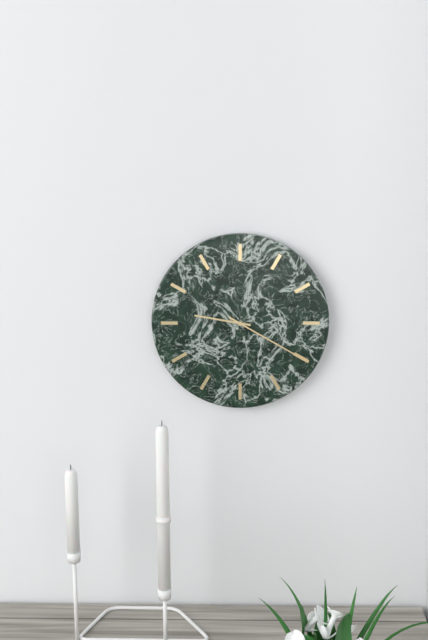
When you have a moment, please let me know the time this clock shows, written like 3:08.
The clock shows 9:20
